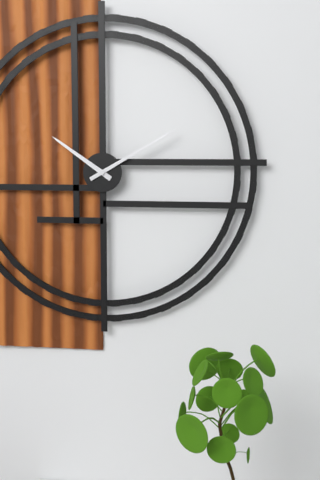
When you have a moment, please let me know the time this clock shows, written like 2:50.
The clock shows 10:10
